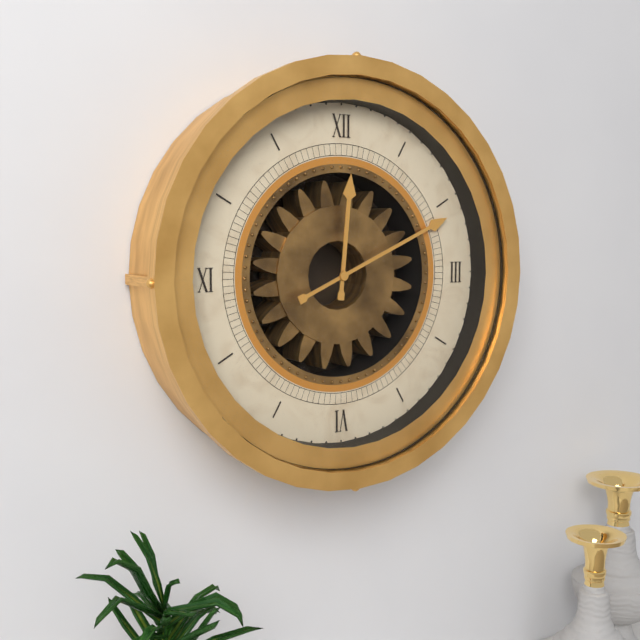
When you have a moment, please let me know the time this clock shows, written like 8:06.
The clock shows 12:11
